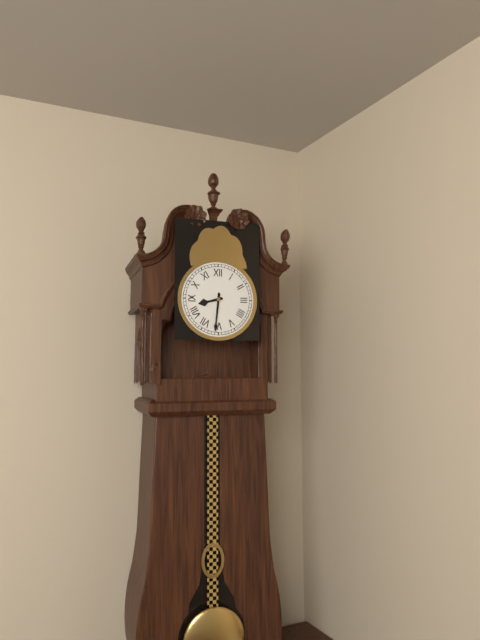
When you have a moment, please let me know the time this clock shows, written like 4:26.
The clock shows 8:31
